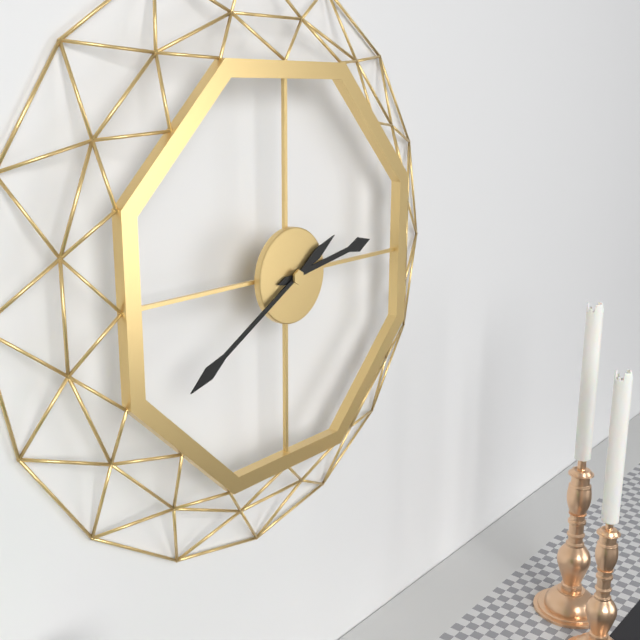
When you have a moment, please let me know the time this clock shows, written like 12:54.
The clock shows 2:40
